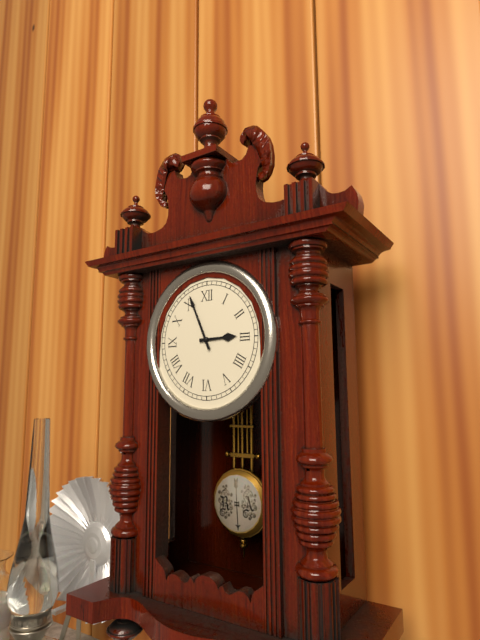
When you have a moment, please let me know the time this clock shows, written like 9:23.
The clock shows 2:56
